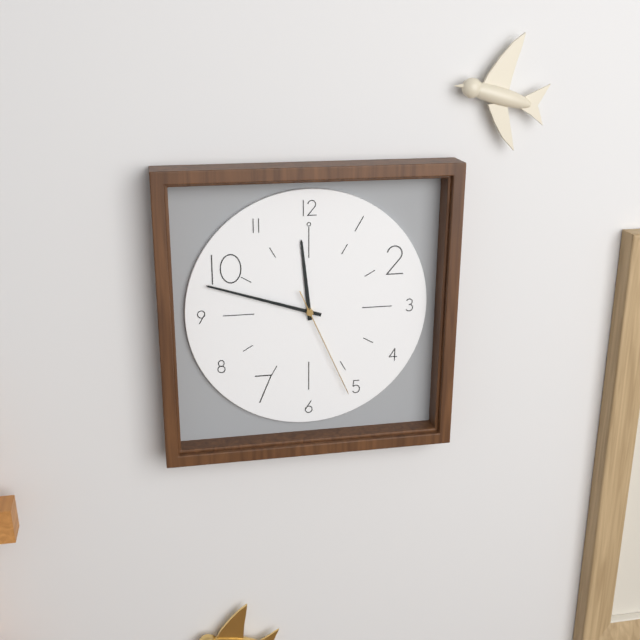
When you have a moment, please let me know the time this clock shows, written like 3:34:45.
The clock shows 11:48:26
